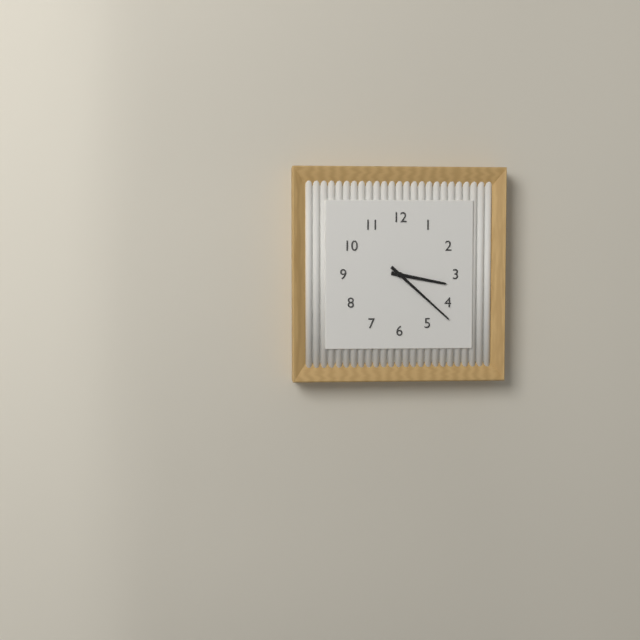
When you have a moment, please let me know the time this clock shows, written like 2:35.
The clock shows 3:22
